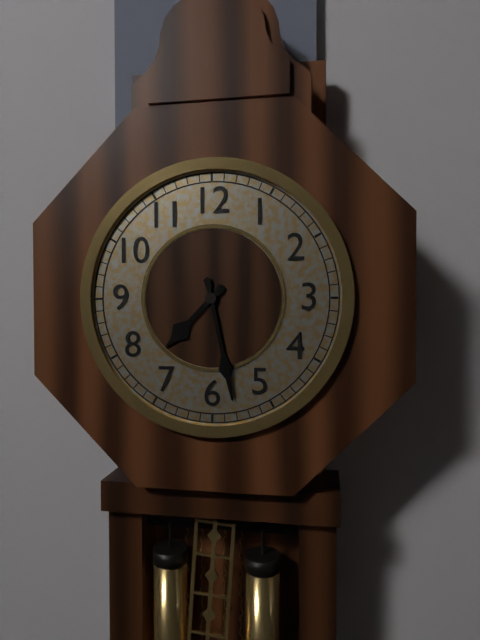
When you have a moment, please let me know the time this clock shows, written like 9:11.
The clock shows 7:28
